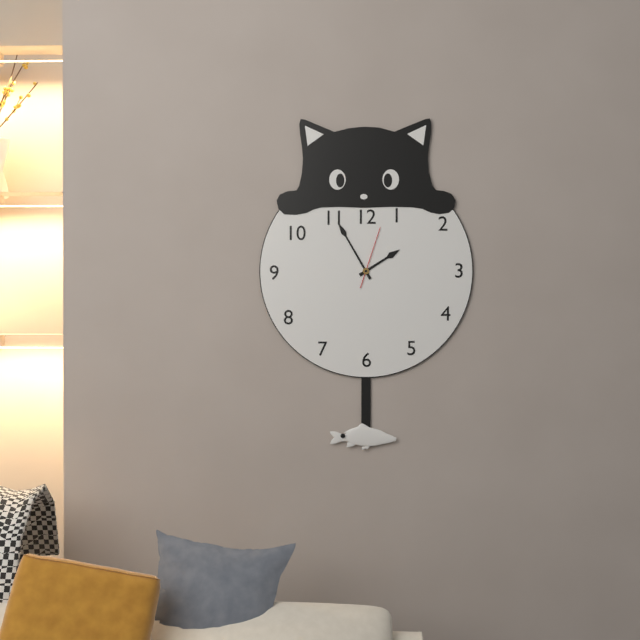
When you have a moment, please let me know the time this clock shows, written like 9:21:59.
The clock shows 1:55:03
